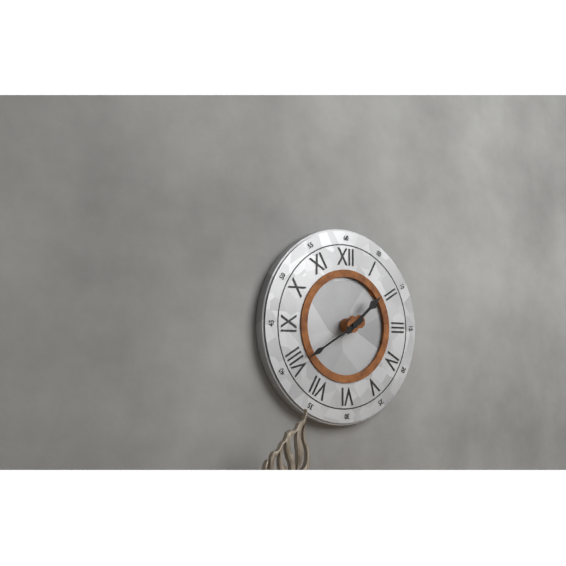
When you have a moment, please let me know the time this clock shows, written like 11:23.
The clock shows 1:40
